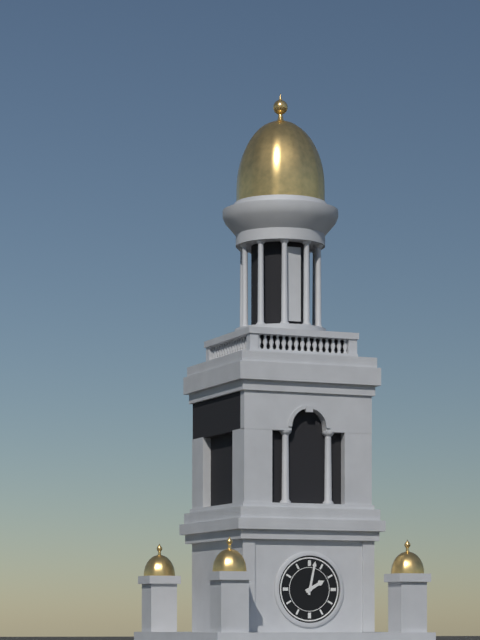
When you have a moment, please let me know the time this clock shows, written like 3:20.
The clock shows 2:02
